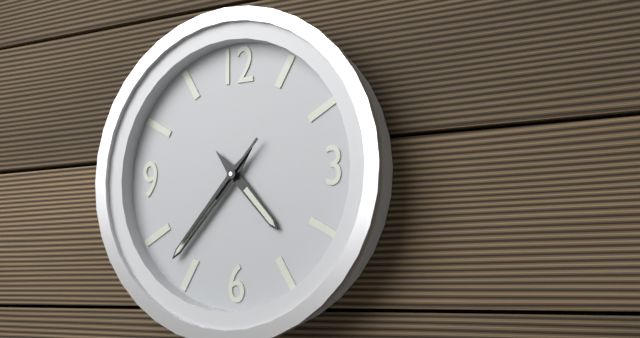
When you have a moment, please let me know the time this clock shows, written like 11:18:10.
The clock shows 4:37:37
